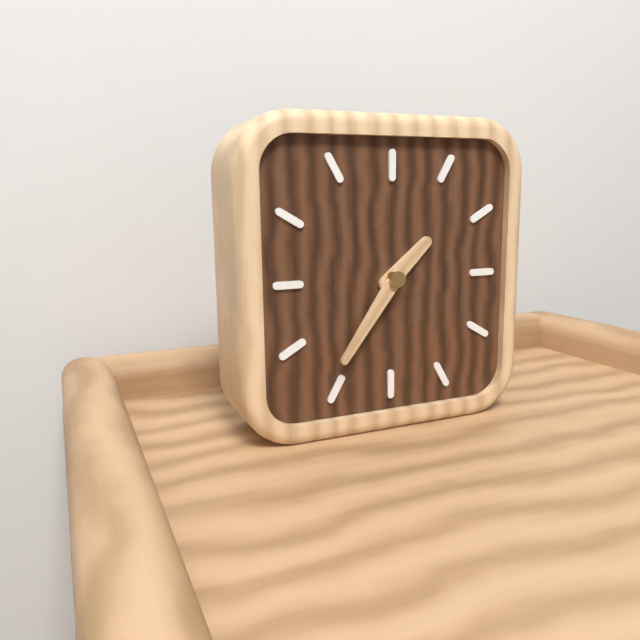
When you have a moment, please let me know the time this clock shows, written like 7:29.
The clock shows 1:36
